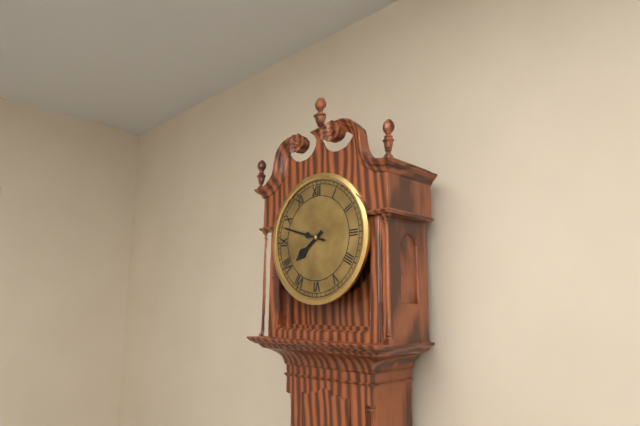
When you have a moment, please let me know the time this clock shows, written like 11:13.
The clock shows 7:48
